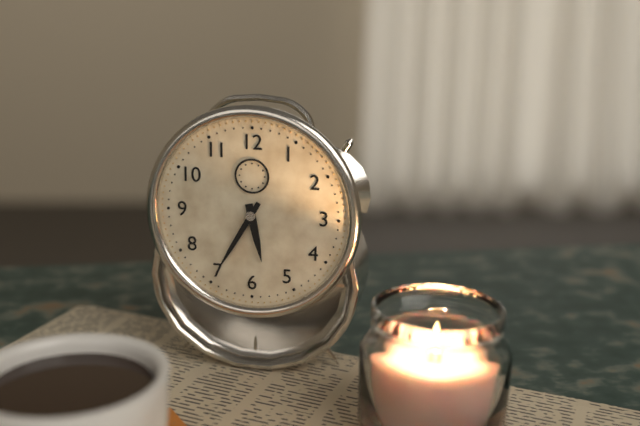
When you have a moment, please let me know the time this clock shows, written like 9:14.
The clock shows 5:35
